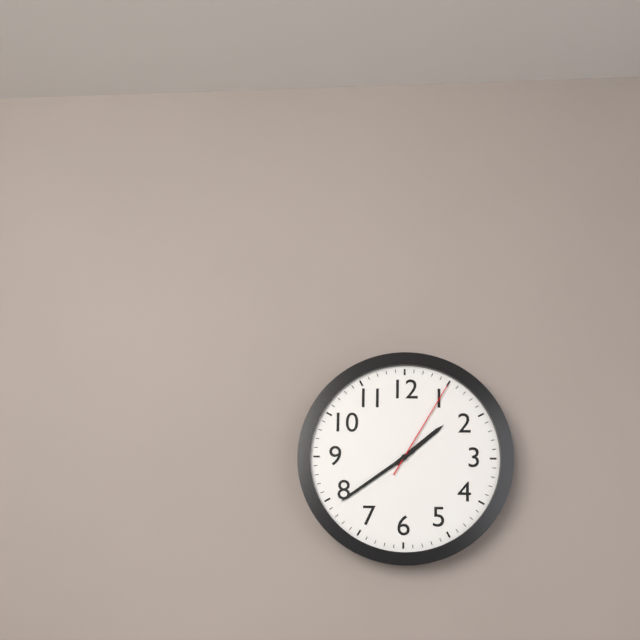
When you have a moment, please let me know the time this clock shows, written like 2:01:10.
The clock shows 1:39:05
